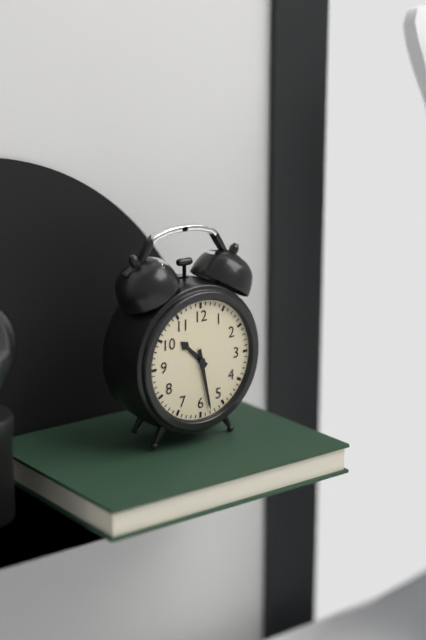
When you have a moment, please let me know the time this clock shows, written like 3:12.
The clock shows 10:28
